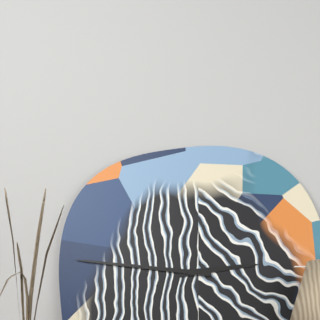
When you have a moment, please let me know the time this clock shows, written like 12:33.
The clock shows 2:46
